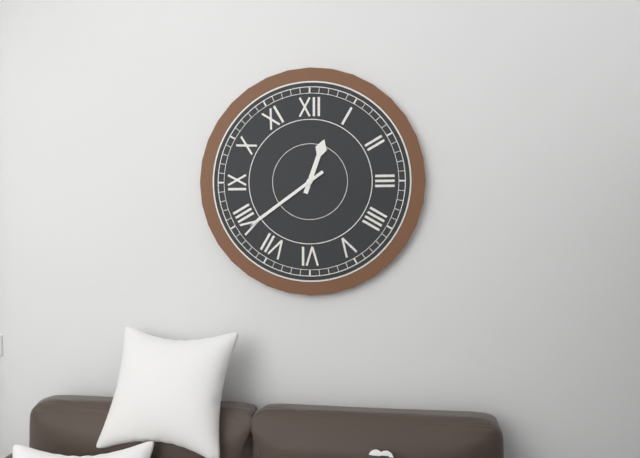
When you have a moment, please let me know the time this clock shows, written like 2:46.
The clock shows 12:39
